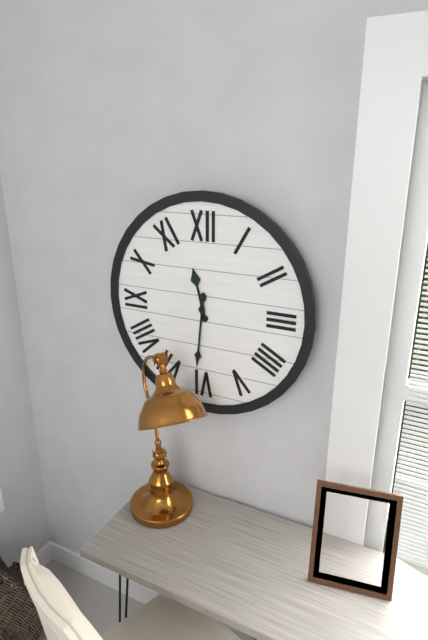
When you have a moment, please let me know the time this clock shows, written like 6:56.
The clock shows 11:31
